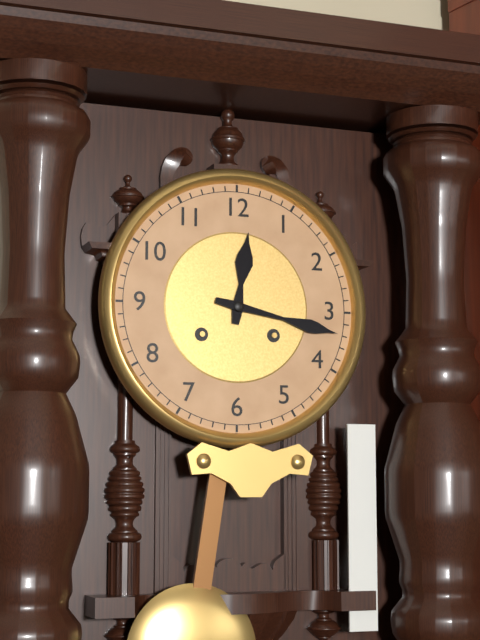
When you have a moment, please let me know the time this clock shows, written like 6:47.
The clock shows 12:17
